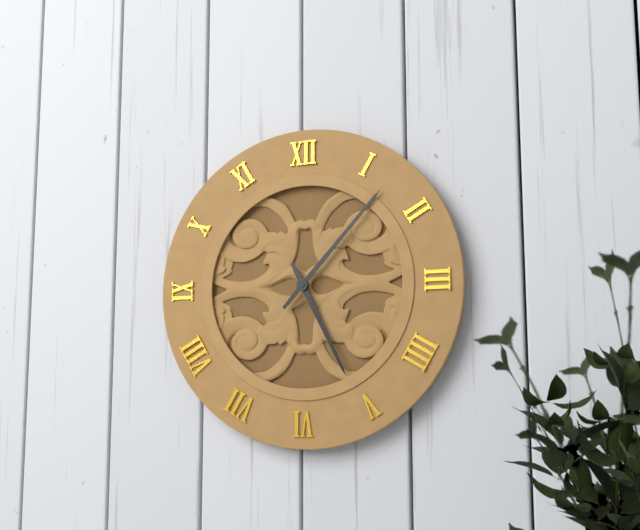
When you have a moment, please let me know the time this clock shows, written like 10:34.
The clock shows 5:07
